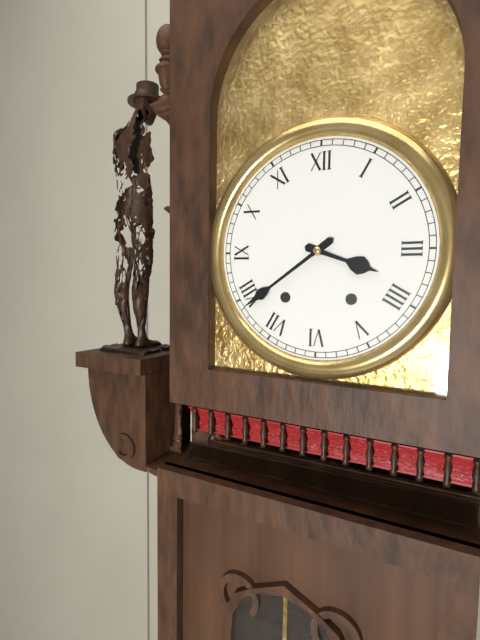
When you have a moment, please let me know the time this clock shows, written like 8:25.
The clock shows 3:39
